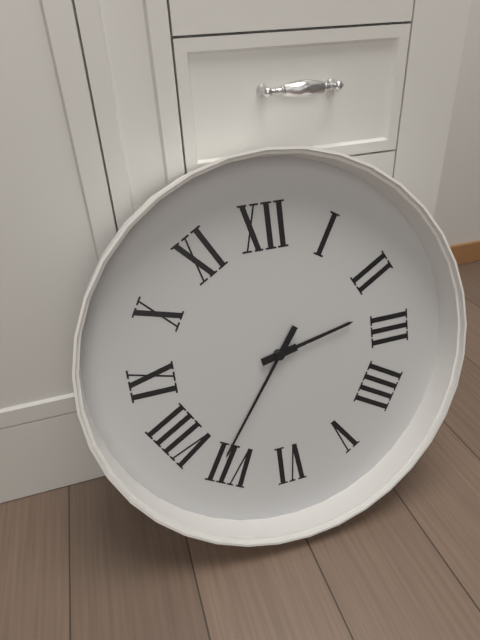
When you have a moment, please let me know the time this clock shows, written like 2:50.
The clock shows 2:36
